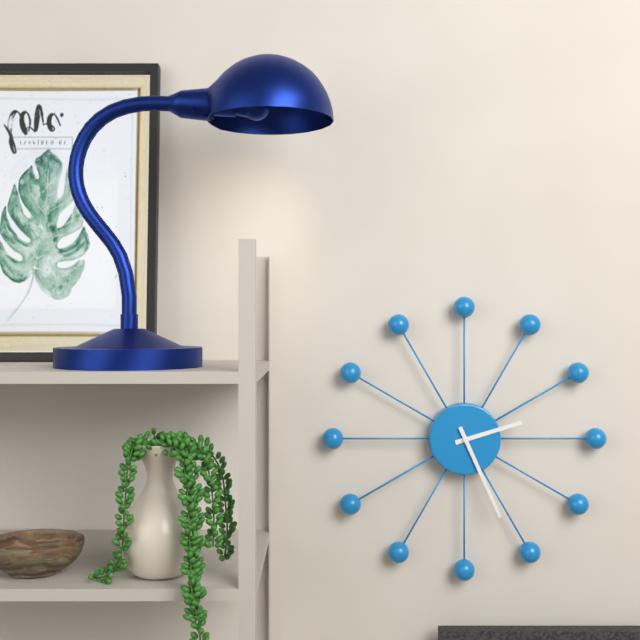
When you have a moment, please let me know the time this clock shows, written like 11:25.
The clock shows 2:26
